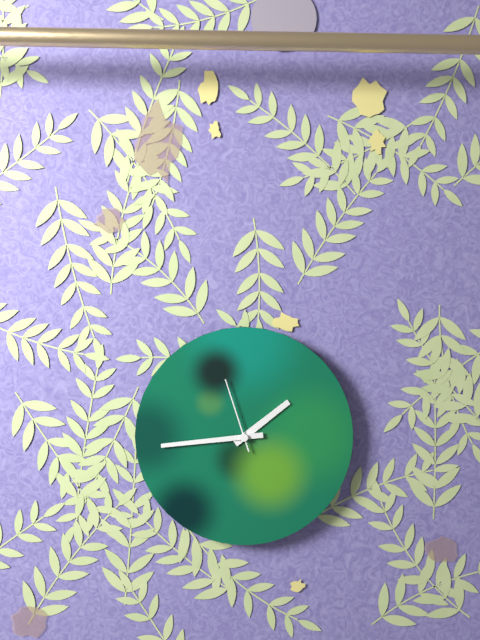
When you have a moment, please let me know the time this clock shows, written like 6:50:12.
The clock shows 1:44:57
